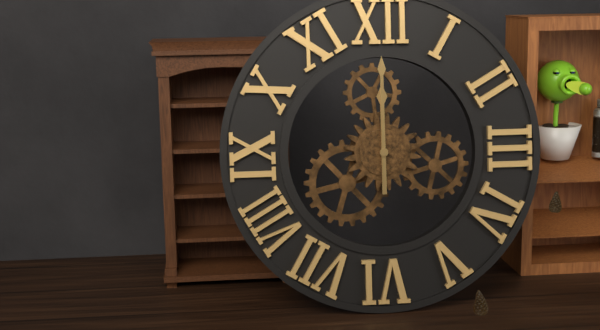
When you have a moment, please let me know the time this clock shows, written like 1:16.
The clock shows 12:00
